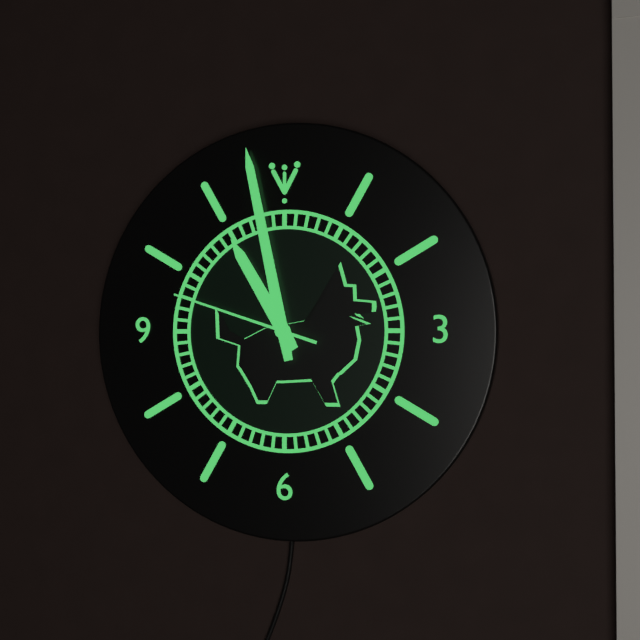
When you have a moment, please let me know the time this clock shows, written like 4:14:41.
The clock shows 10:58:48
